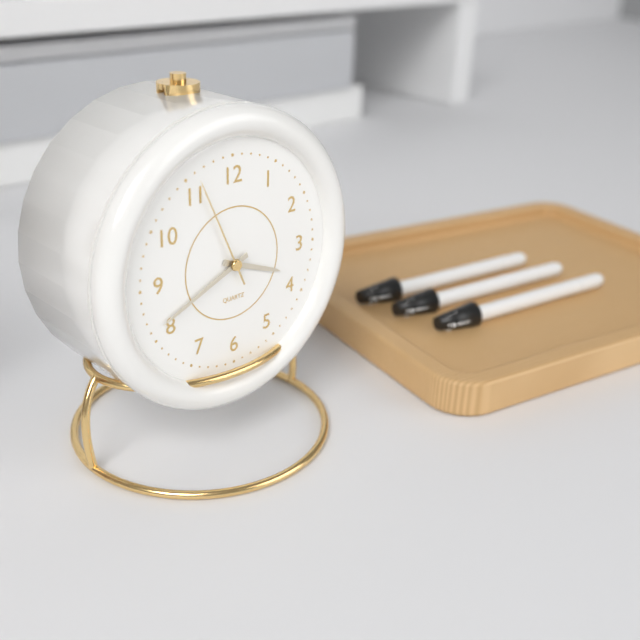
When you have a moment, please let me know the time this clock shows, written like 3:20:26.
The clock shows 3:41:56
